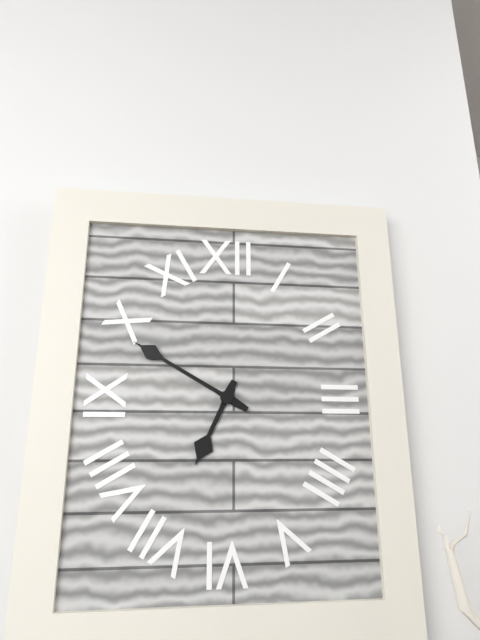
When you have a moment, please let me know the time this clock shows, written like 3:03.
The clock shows 6:50
